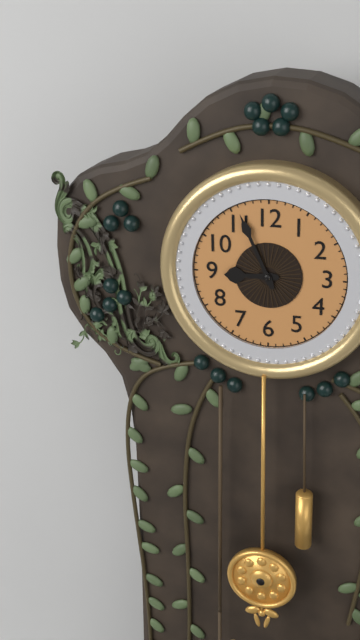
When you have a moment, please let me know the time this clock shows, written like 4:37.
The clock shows 8:56
